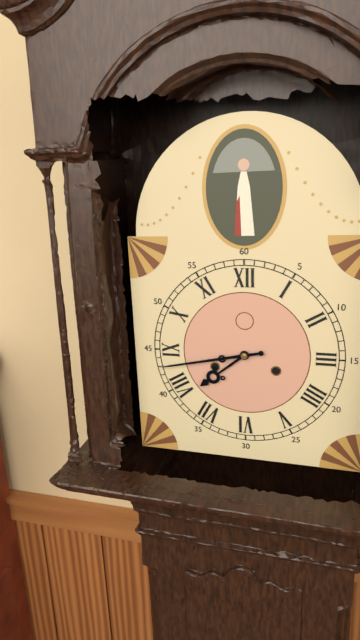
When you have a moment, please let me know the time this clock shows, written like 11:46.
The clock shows 7:43
